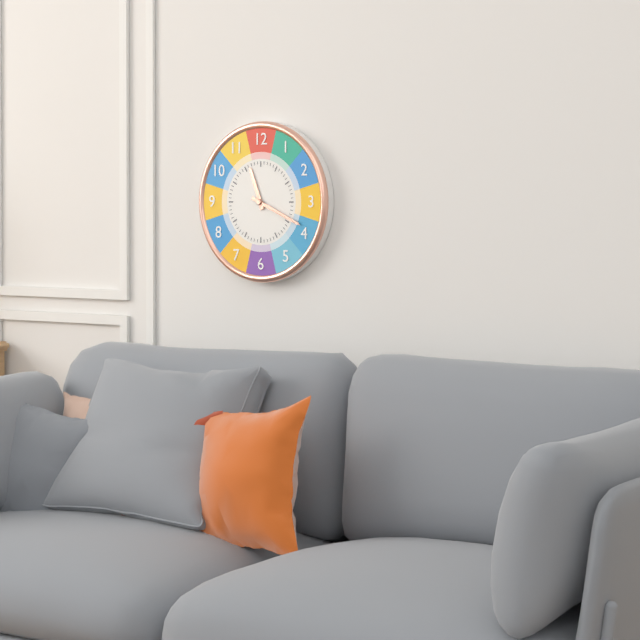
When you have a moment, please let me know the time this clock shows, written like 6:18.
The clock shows 11:19
